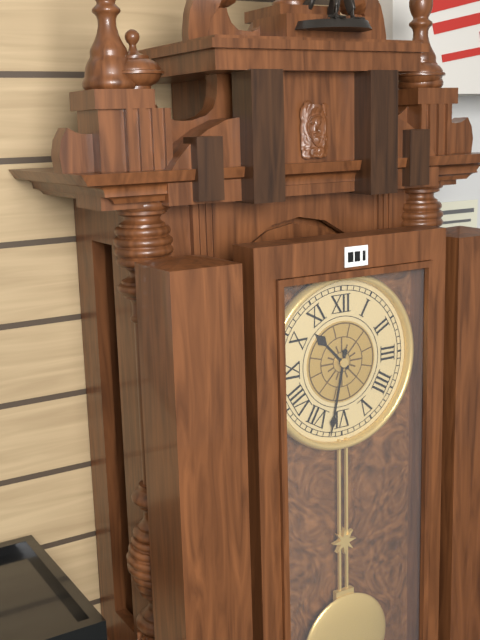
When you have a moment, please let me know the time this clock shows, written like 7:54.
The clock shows 10:32
